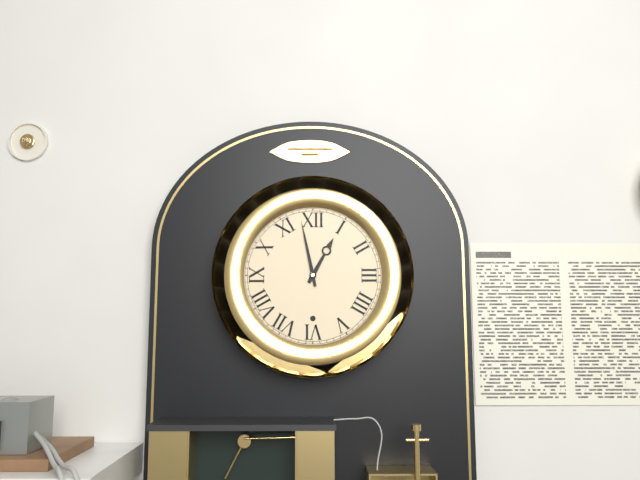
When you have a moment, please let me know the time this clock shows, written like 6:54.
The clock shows 12:58
